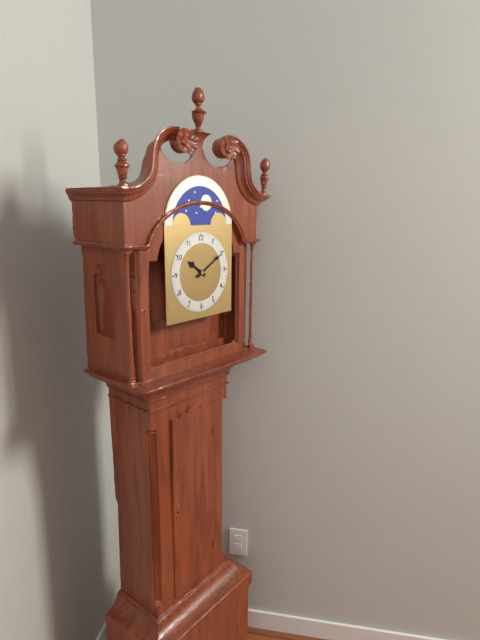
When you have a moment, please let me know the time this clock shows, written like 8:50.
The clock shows 10:10
